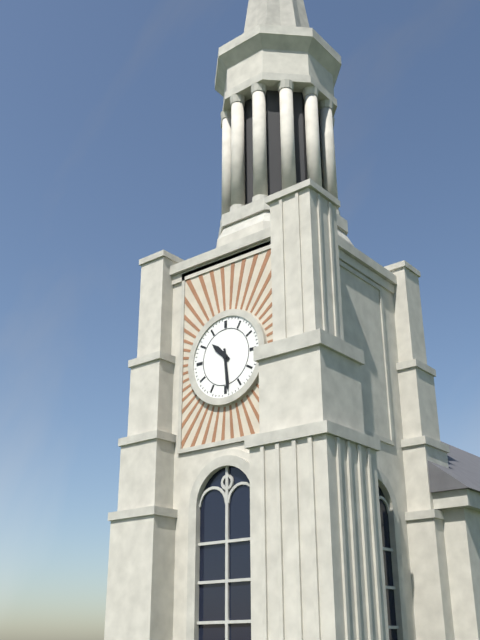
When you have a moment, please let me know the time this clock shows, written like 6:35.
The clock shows 10:29
